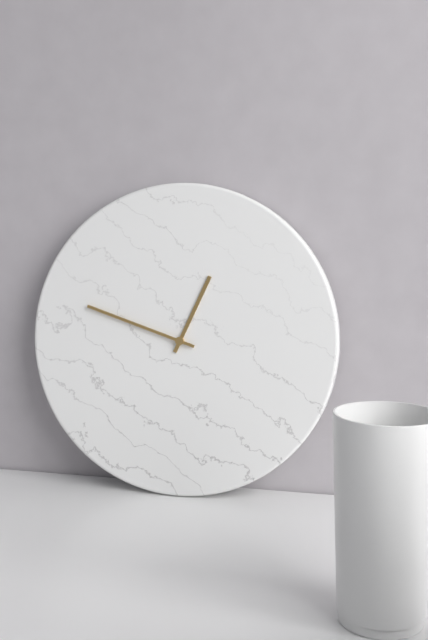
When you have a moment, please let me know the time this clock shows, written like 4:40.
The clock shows 12:48
